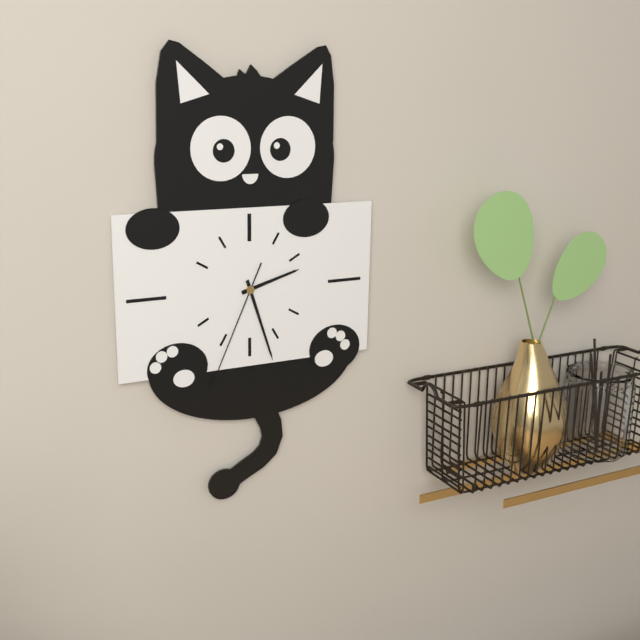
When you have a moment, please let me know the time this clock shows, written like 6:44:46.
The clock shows 2:27:34
